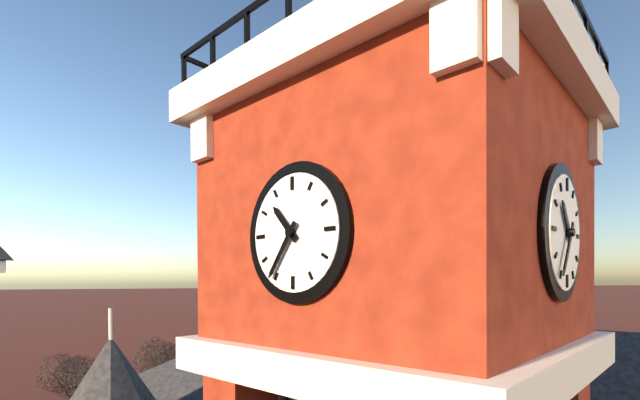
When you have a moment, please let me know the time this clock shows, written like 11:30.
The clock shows 10:36
